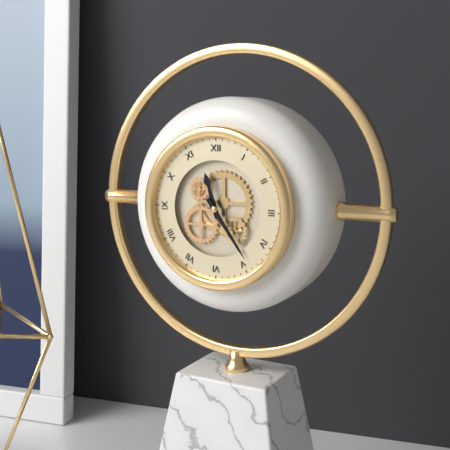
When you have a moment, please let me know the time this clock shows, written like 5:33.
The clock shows 11:24
